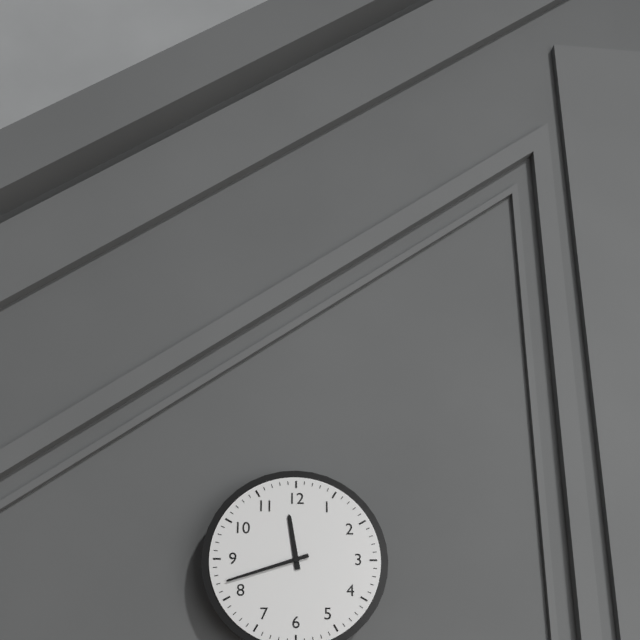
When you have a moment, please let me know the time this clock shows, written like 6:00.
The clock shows 11:42
